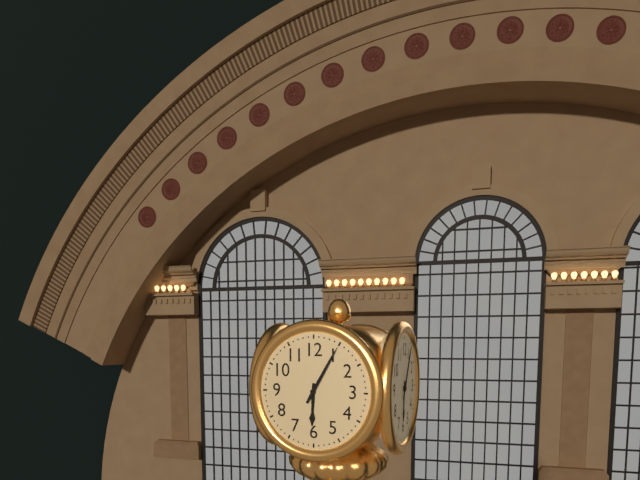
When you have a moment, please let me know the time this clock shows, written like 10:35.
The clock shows 6:05
